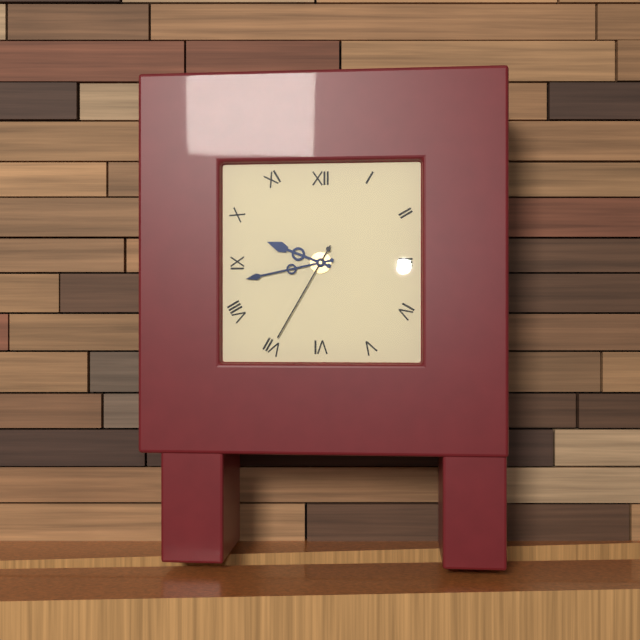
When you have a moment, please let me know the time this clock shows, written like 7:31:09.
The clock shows 9:43:35
